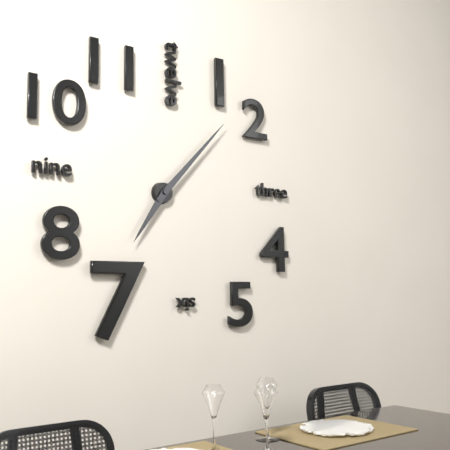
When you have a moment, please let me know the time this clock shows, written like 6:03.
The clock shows 7:07
